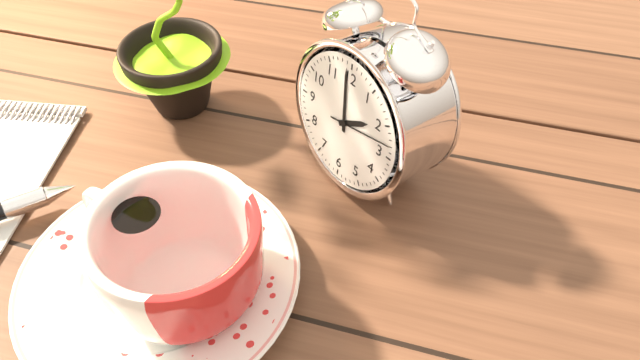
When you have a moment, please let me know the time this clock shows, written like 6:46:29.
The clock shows 1:59:13
